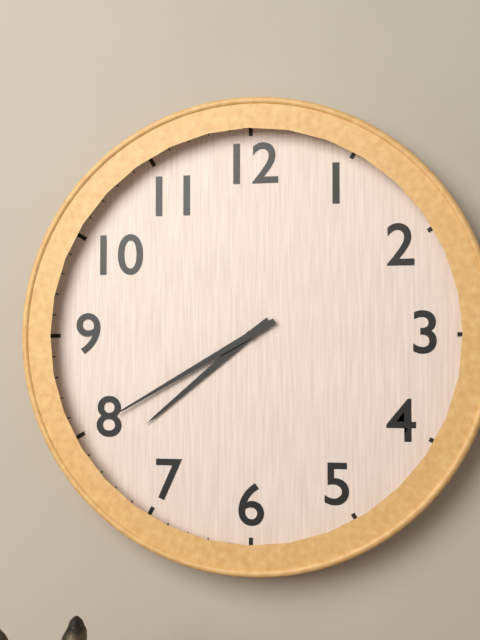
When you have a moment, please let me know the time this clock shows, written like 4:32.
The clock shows 7:40
